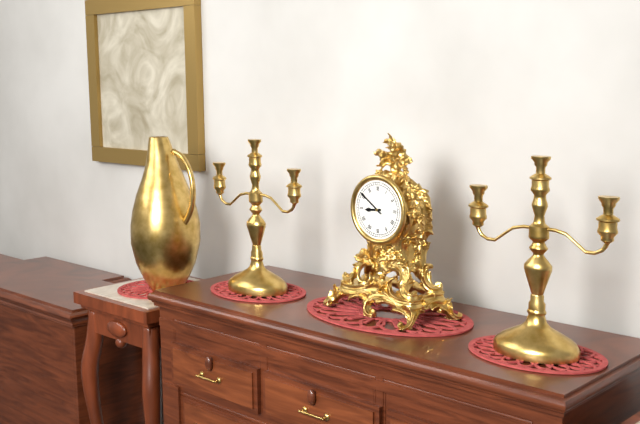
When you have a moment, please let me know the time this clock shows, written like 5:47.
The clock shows 8:51
